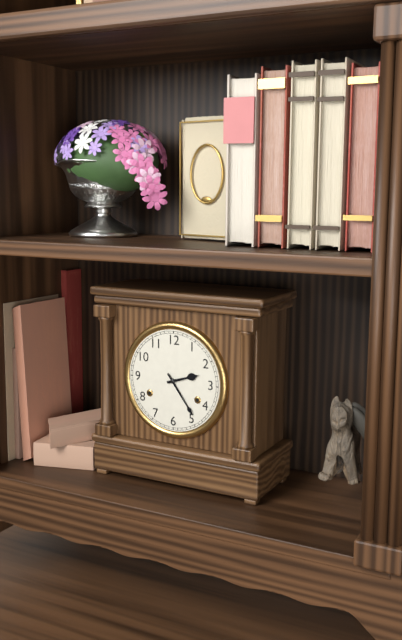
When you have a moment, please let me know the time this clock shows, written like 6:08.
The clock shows 2:24
